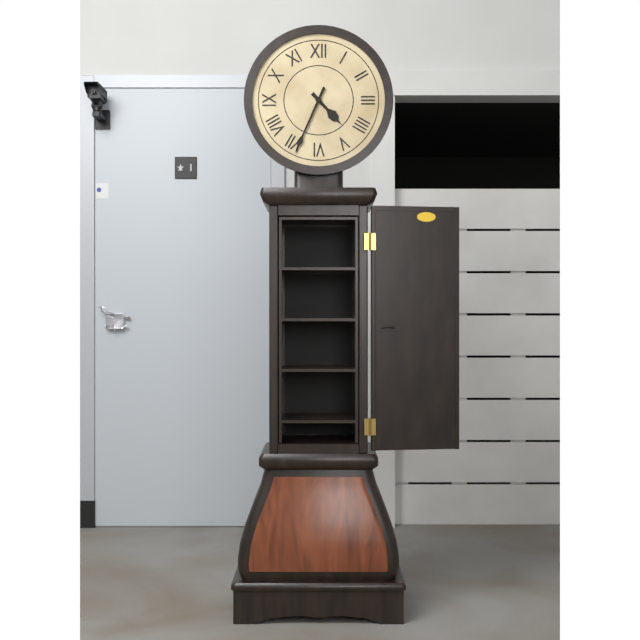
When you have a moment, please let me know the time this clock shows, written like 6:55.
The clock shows 4:34
